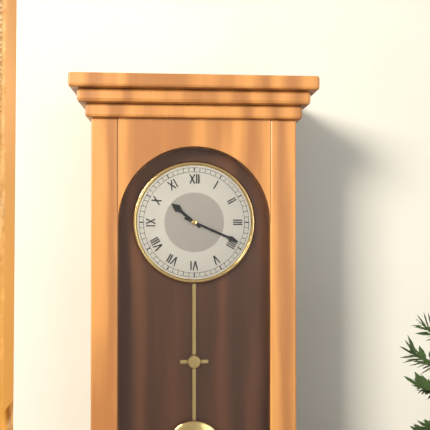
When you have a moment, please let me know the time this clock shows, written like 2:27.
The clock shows 10:19
